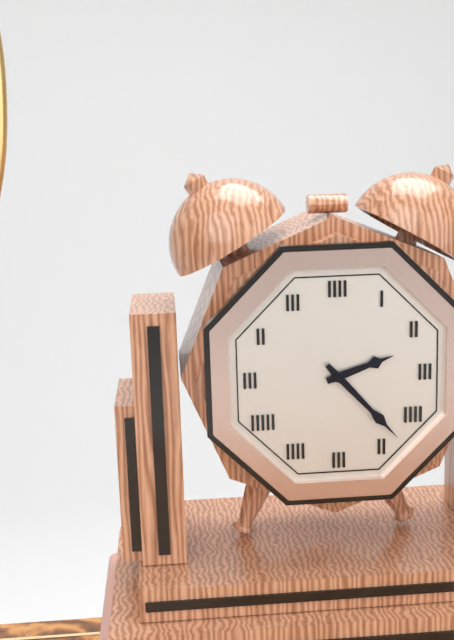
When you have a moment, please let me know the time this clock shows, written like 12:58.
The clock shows 2:23
